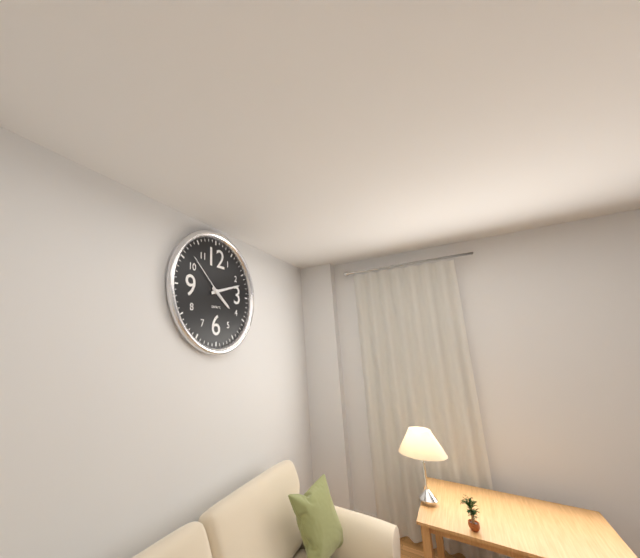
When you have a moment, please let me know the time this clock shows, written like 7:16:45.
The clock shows 4:12:52
